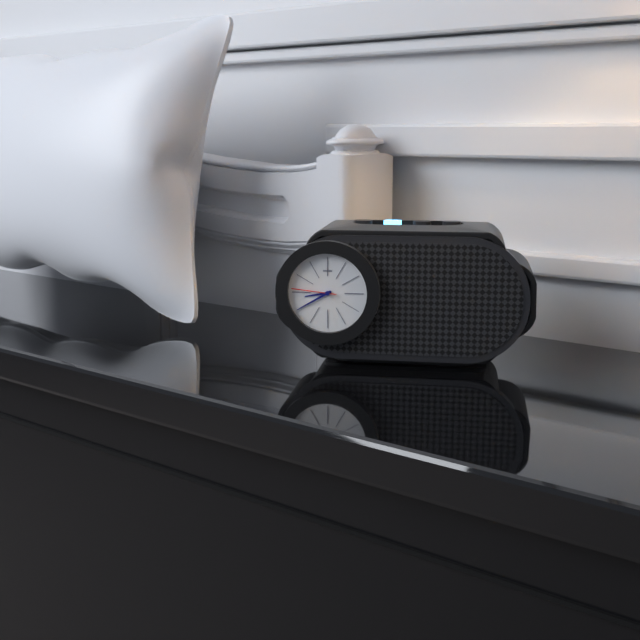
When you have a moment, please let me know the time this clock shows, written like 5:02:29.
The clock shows 8:40:46
